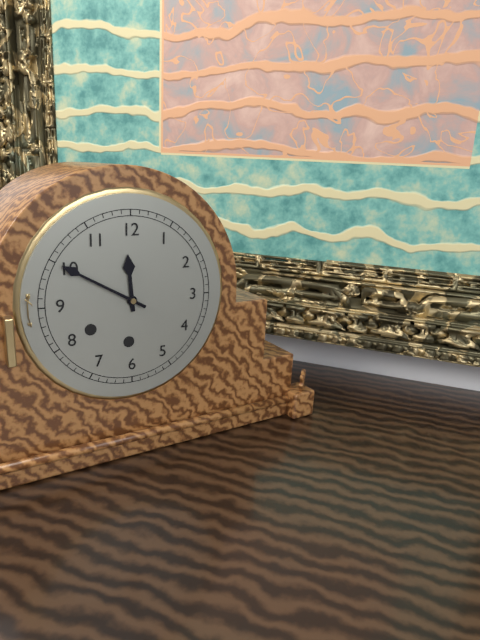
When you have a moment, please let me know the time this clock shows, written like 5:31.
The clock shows 11:50
